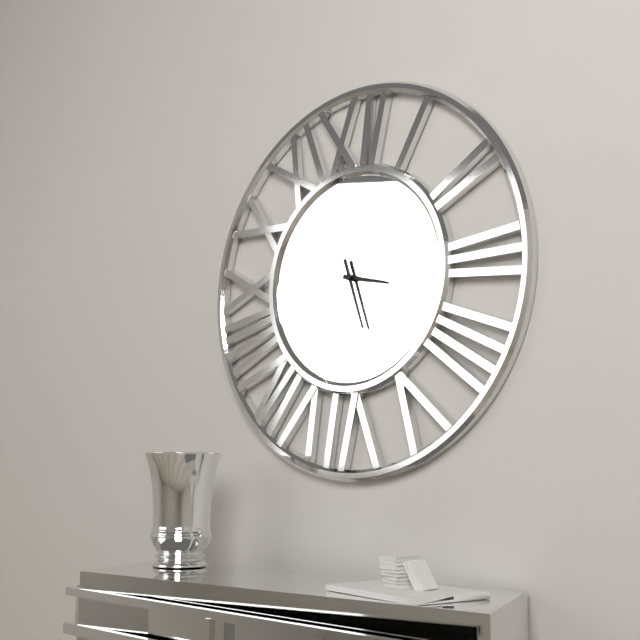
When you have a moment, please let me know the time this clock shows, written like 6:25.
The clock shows 3:27
